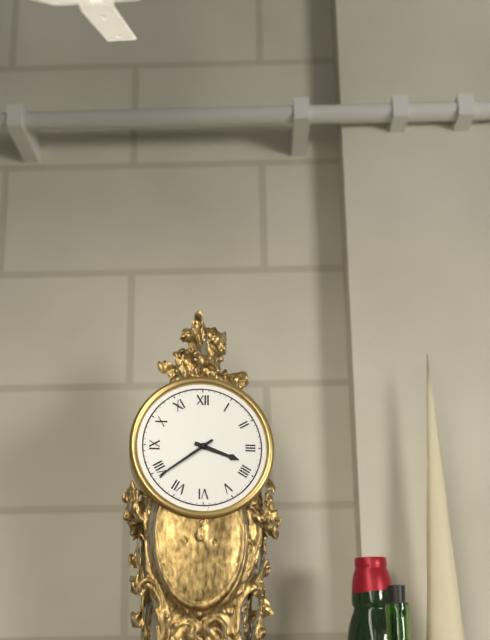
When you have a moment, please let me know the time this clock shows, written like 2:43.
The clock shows 3:39
